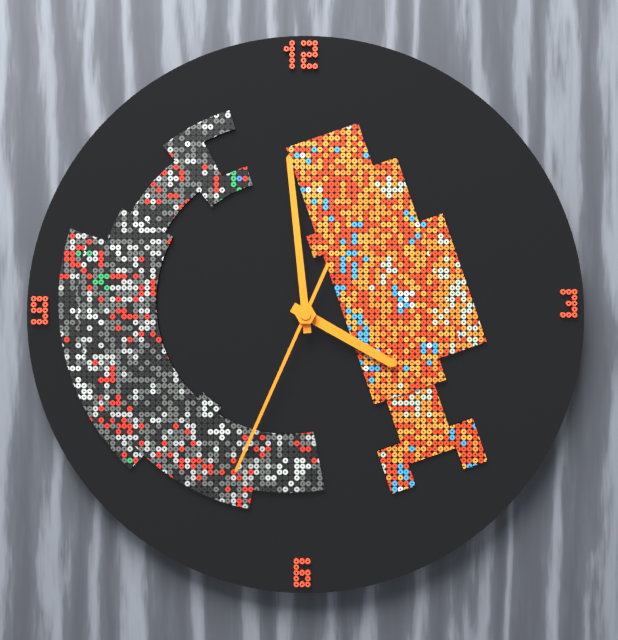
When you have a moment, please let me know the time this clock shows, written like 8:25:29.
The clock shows 3:59:34
